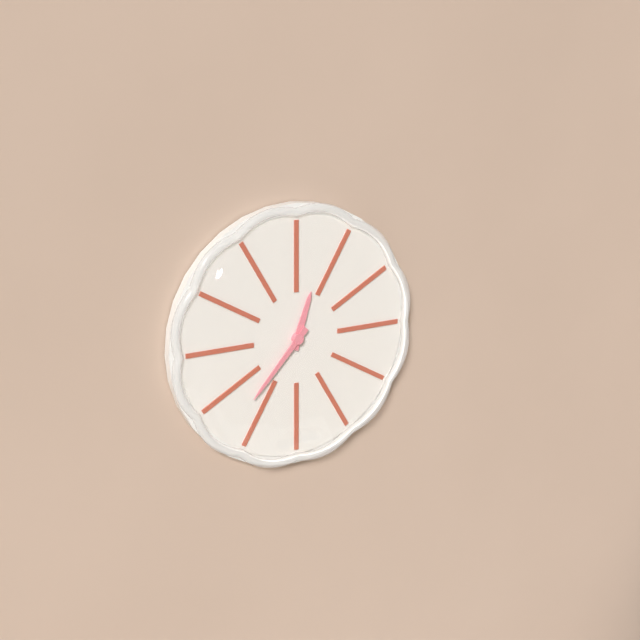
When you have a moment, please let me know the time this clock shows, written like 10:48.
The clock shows 12:37
